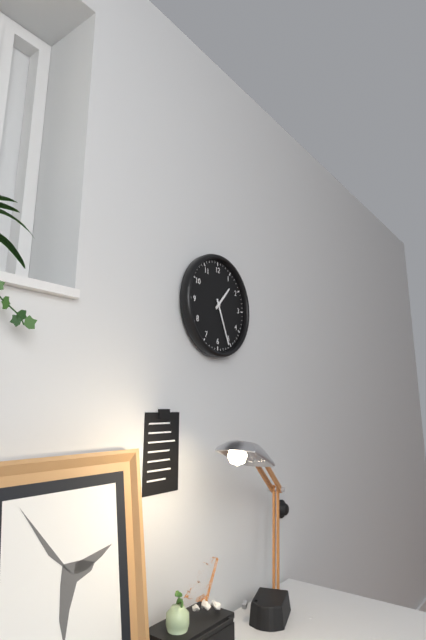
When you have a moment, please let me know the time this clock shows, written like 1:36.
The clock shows 1:26
